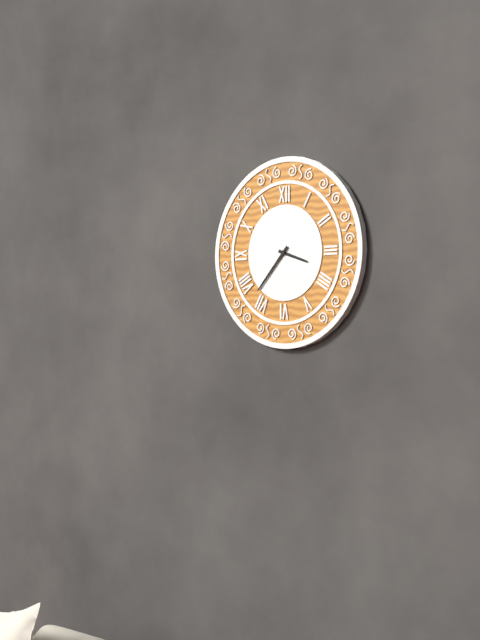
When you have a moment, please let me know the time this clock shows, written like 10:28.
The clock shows 3:37
